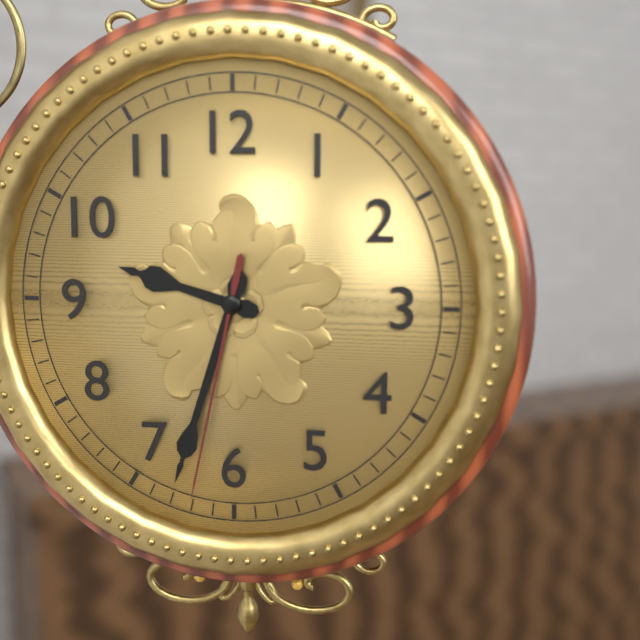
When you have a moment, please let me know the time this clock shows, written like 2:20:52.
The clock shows 9:33:32
